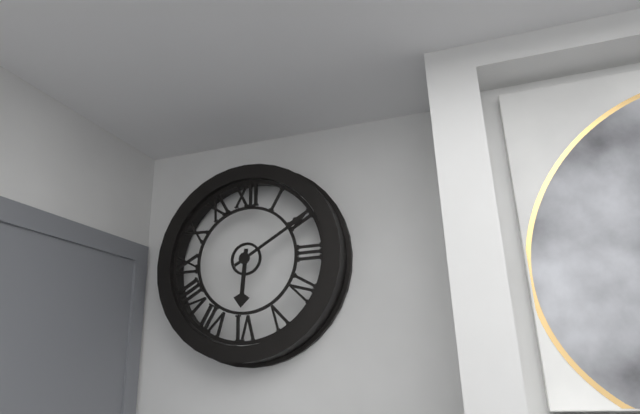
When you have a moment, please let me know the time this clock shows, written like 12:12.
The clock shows 6:10
